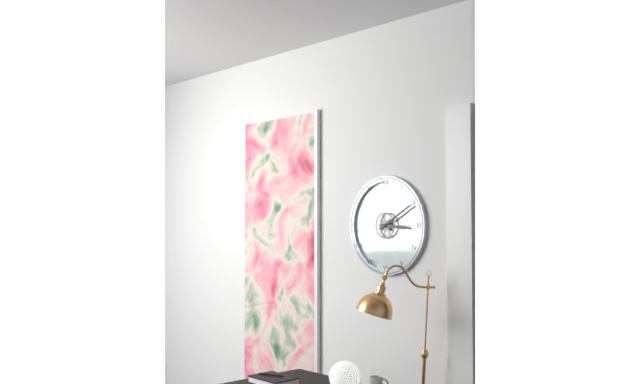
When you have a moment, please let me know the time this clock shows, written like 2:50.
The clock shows 3:10
